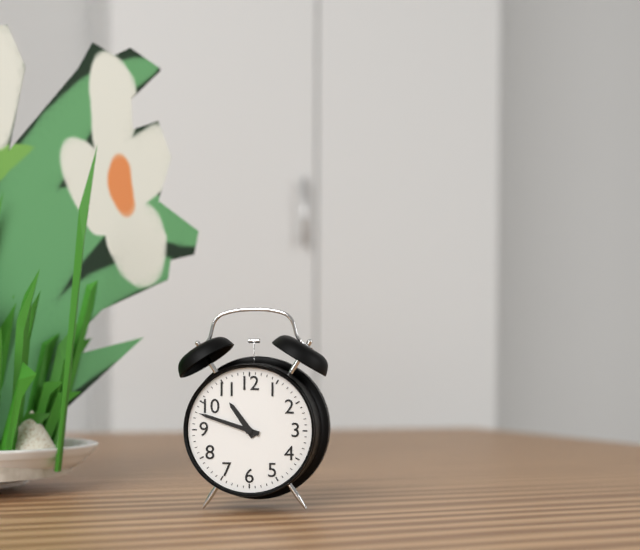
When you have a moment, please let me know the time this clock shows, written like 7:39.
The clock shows 10:48
